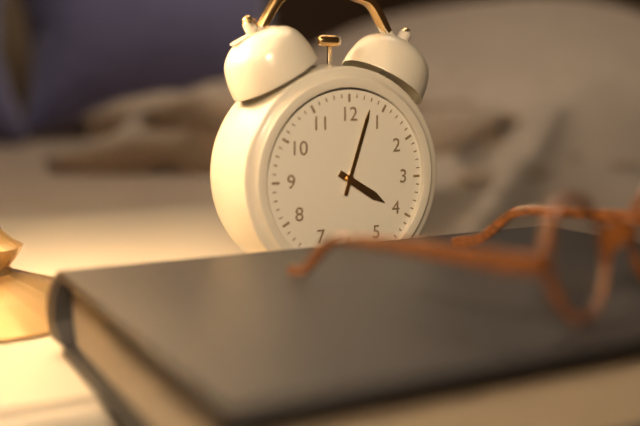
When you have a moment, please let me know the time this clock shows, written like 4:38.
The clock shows 4:03
